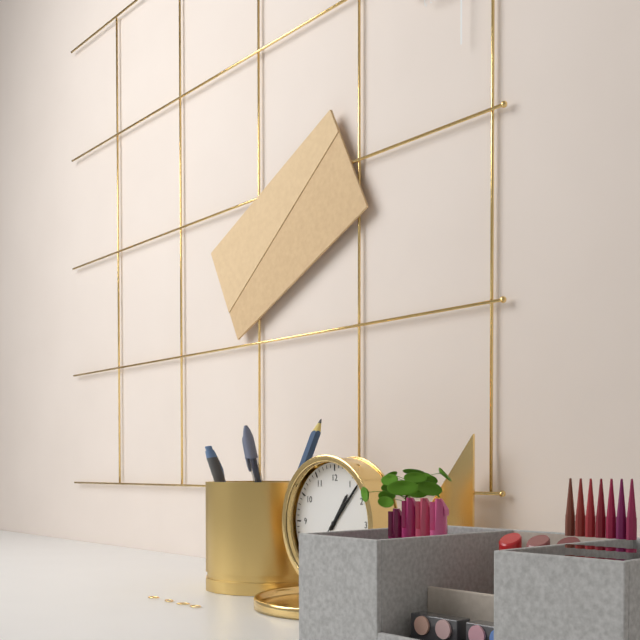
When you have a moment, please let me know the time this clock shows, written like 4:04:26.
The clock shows 1:07:07
